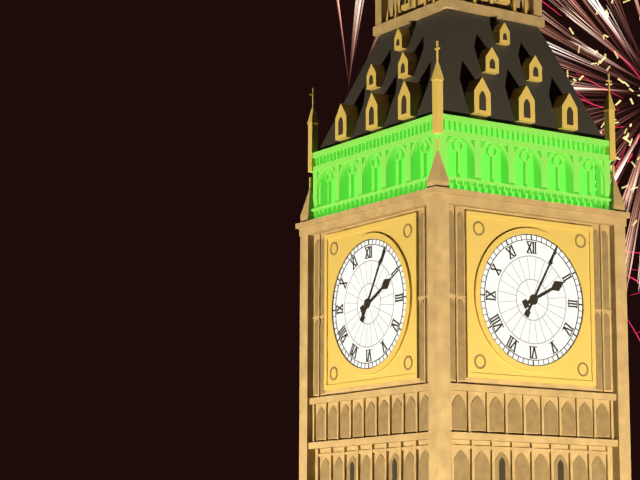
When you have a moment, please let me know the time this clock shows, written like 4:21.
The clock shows 2:05
